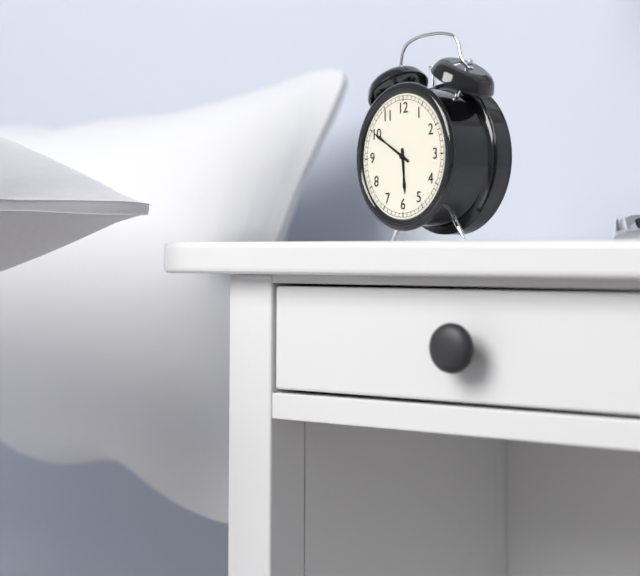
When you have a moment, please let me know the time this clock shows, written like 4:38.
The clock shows 5:50
